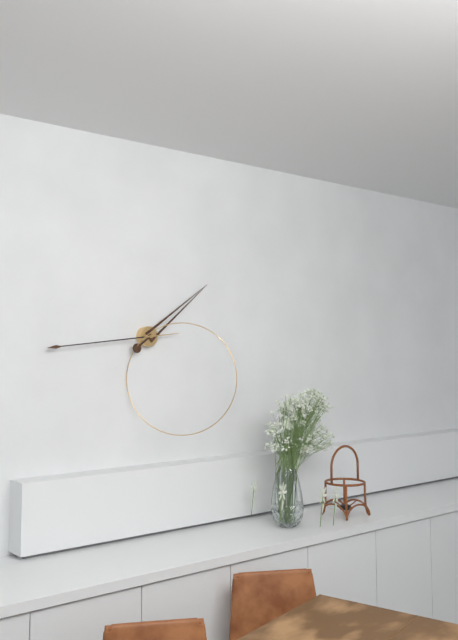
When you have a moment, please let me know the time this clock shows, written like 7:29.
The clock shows 1:44
